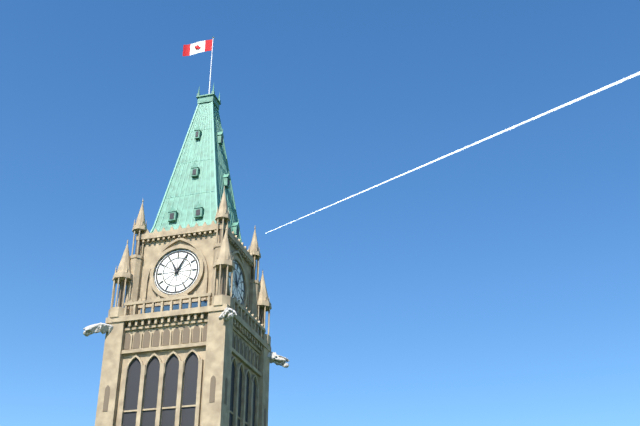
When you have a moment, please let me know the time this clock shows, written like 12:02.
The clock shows 11:05
